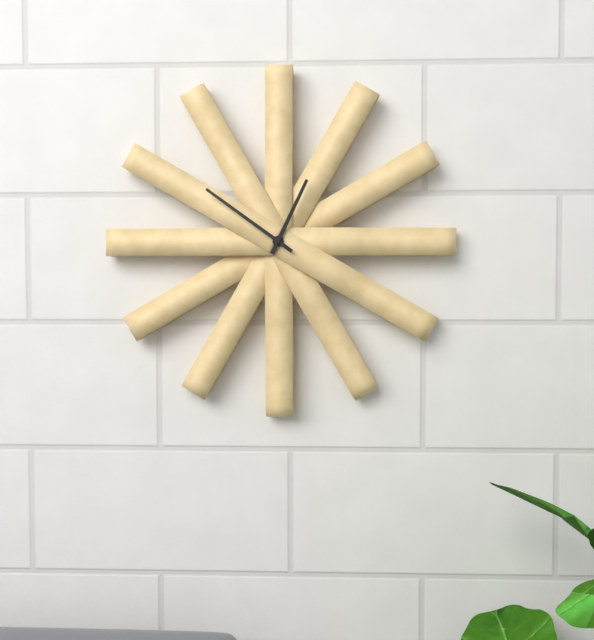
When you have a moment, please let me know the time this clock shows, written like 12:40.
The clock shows 12:51
